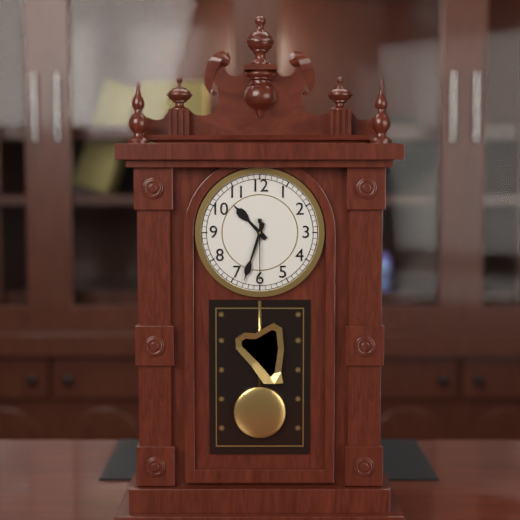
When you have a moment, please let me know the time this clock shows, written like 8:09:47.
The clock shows 10:33:30
